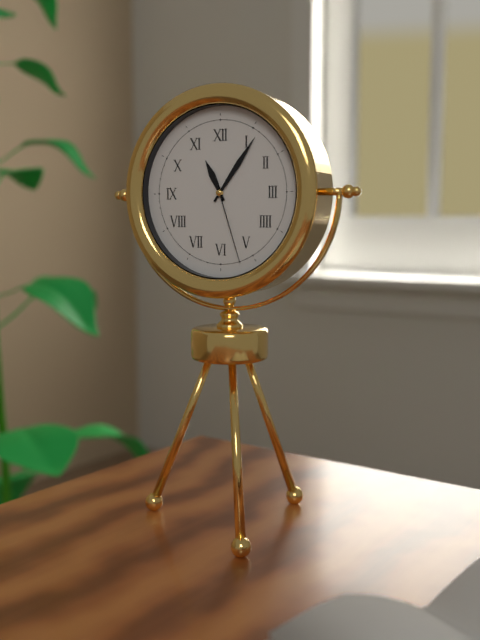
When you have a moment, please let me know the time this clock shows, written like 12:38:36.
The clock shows 11:06:27
